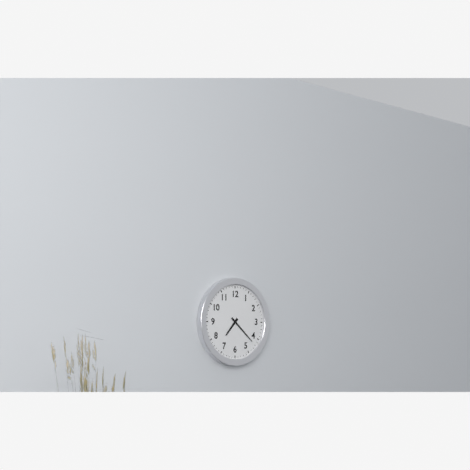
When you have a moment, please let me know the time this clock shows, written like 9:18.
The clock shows 7:22
